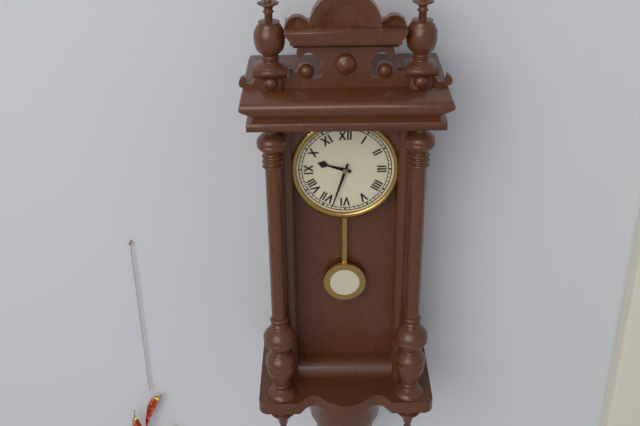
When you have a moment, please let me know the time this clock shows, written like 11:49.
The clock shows 9:33
